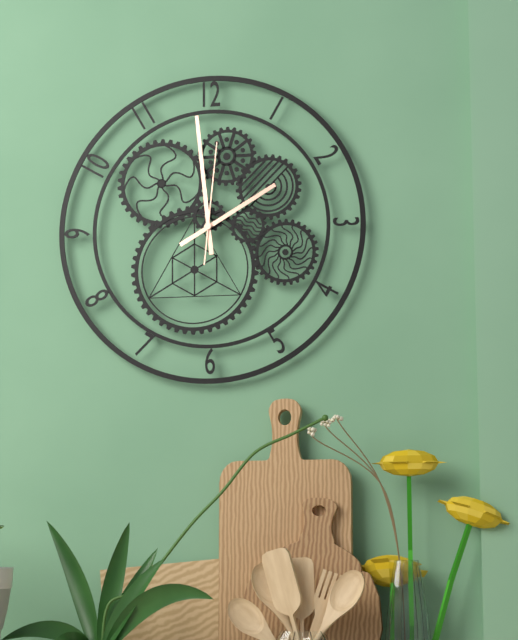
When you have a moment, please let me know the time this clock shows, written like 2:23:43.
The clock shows 1:59:01
